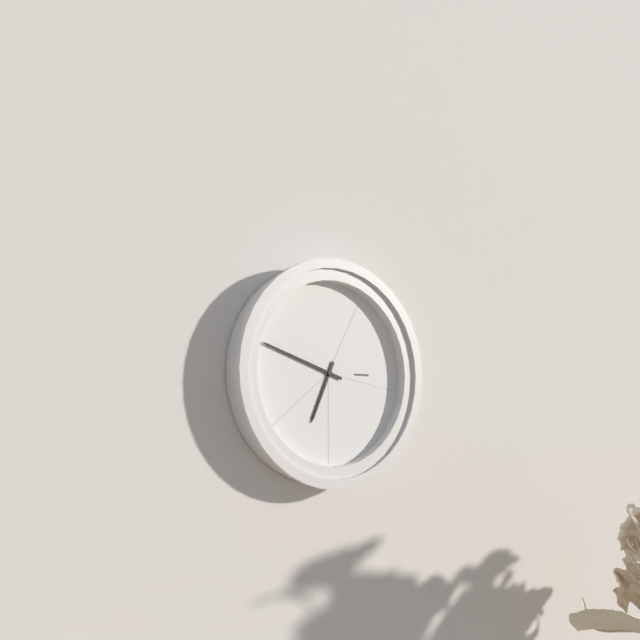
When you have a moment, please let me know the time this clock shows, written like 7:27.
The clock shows 6:48
